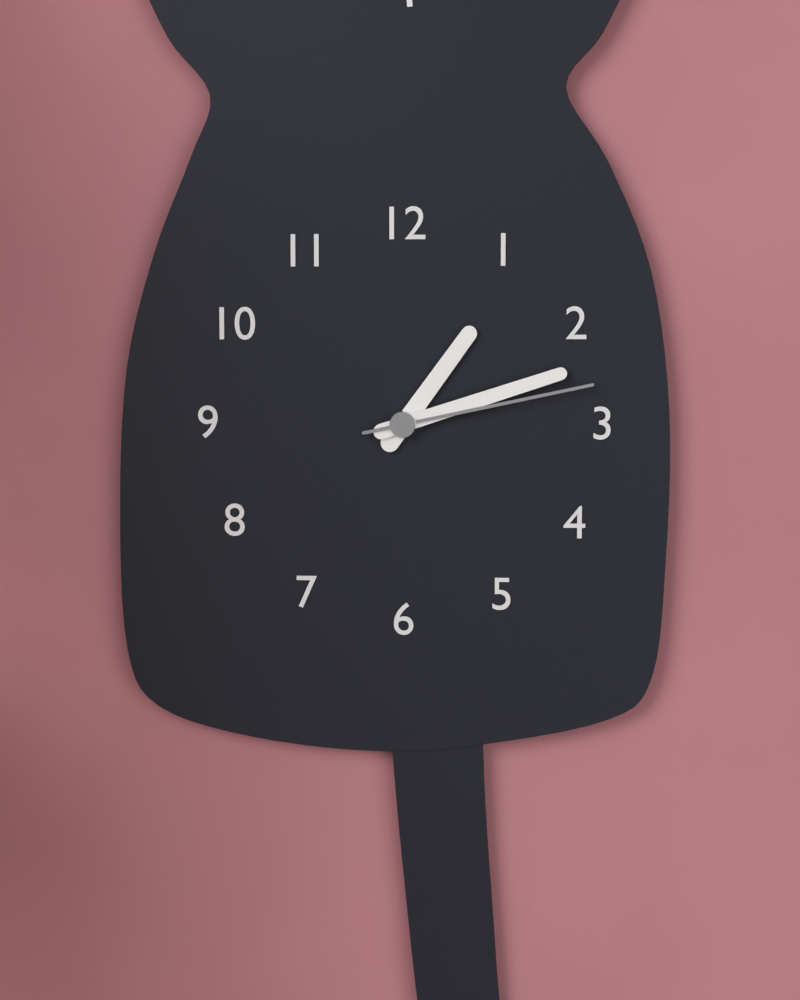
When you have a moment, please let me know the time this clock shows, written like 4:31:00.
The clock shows 1:12:13
